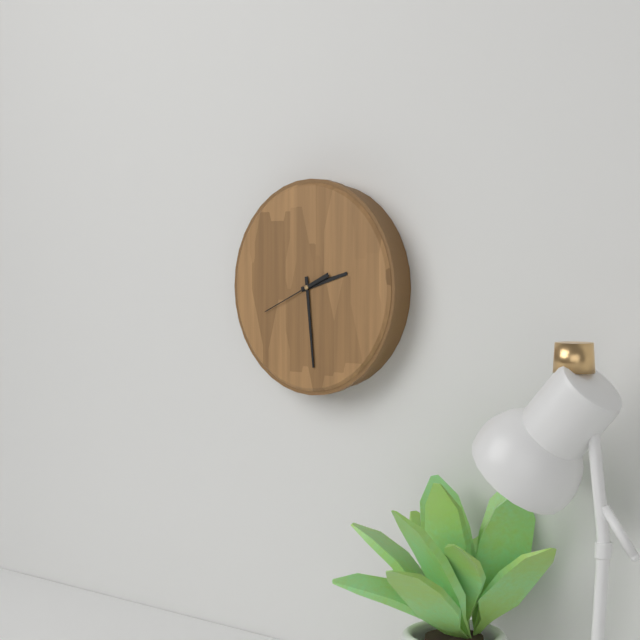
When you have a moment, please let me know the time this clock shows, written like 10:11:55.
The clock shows 2:29:41
